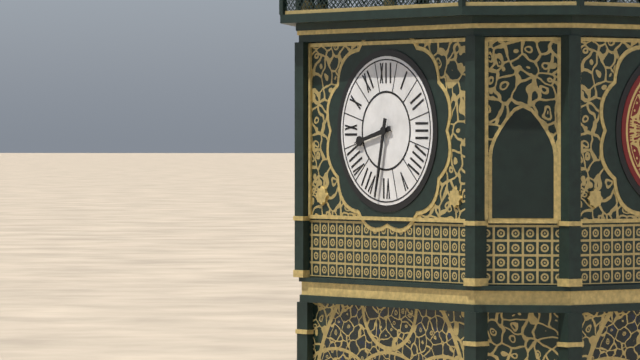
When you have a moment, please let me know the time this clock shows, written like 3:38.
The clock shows 8:32
